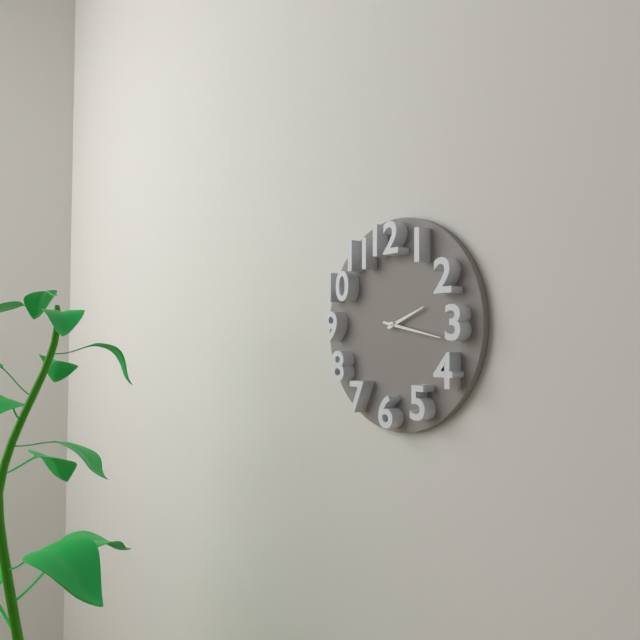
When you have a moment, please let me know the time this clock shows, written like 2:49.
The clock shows 2:17
